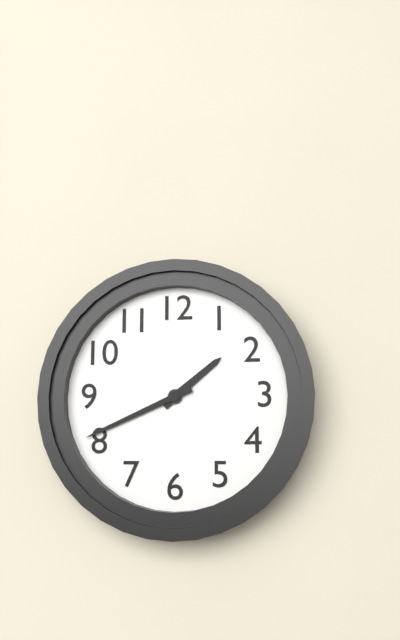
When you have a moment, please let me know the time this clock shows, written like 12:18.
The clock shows 1:41
